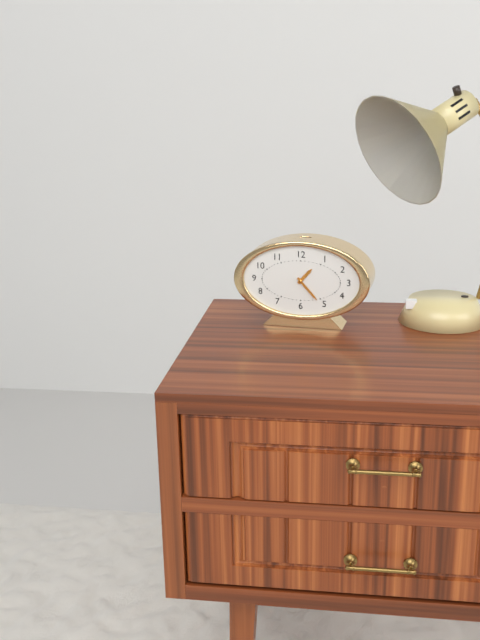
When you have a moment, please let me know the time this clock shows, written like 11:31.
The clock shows 1:23
